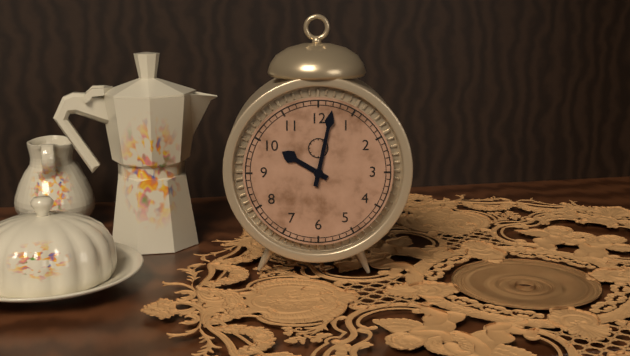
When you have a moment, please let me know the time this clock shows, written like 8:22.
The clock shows 10:02
